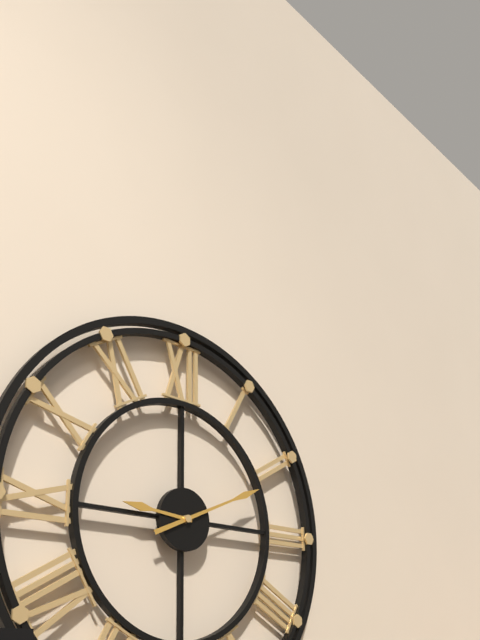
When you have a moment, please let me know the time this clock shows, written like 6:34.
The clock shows 9:11
